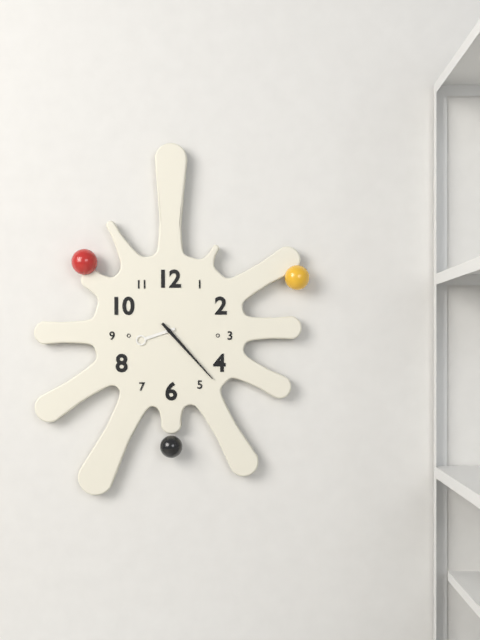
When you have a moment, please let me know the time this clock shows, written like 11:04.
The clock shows 8:23
